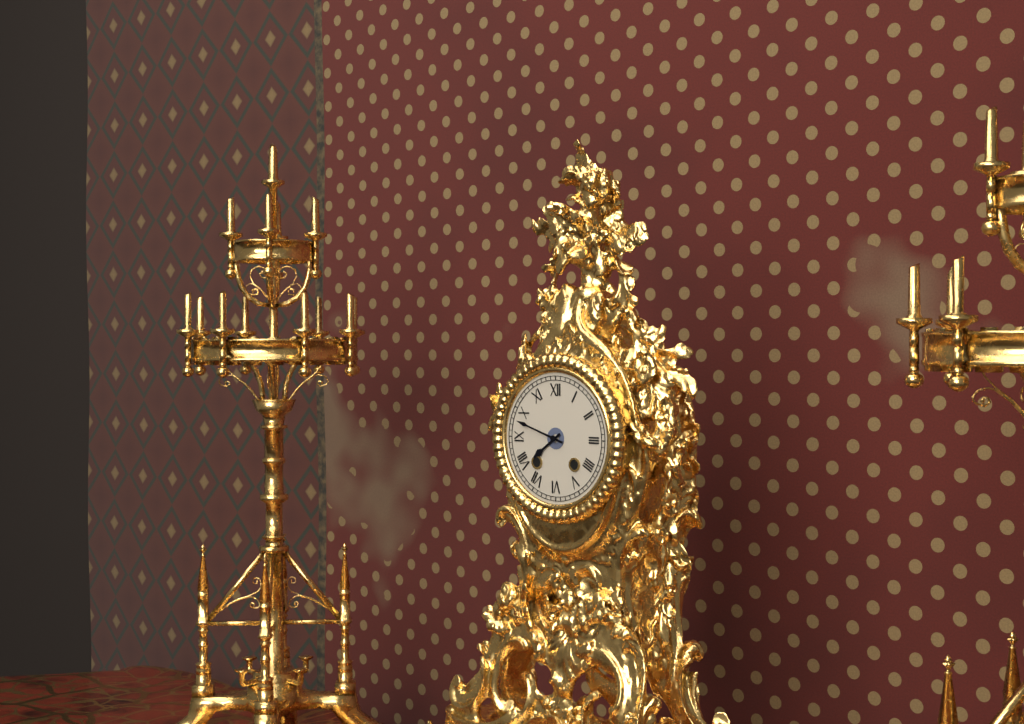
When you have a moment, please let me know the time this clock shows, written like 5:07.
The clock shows 7:48
